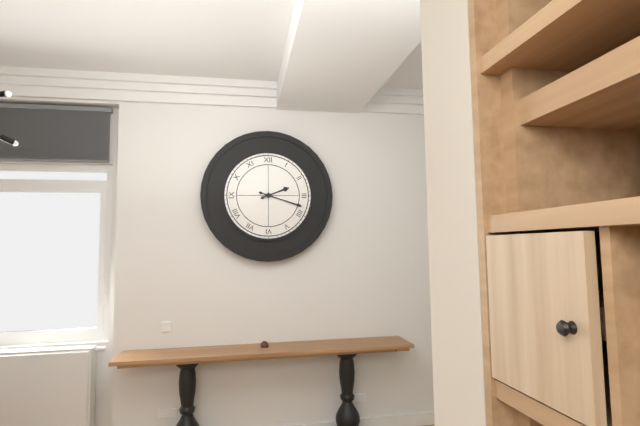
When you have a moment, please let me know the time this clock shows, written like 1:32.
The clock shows 2:18
